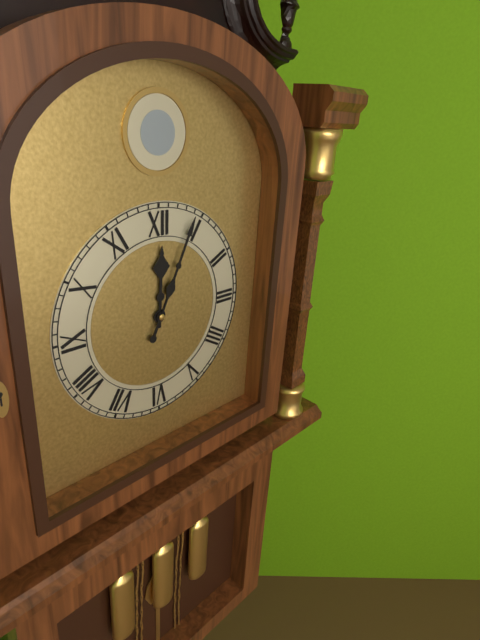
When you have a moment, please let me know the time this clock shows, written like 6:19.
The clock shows 12:04
